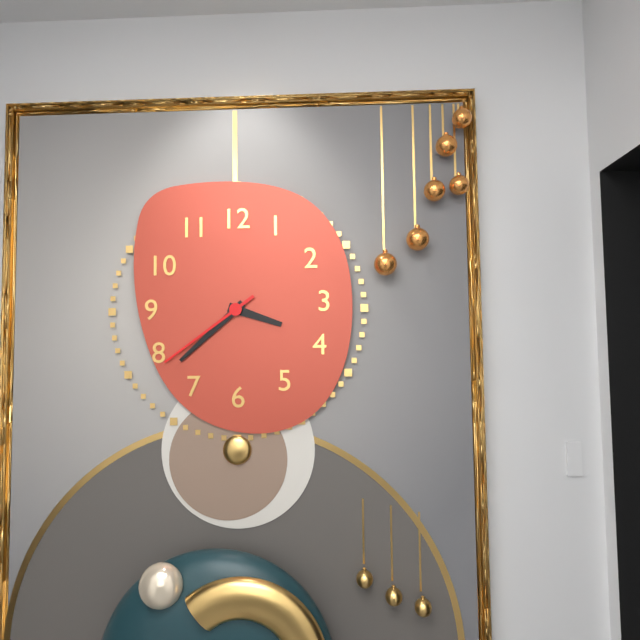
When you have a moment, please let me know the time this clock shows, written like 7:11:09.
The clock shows 3:38:39
